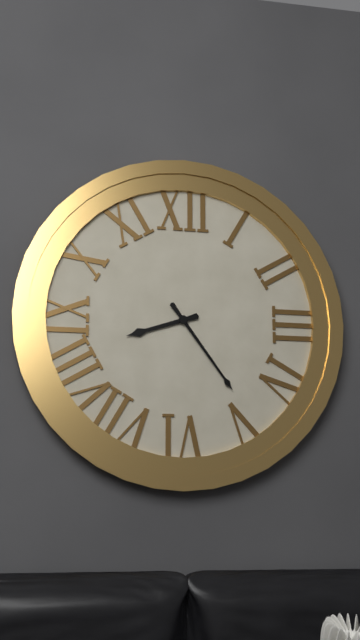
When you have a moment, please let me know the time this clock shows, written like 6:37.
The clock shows 8:24
